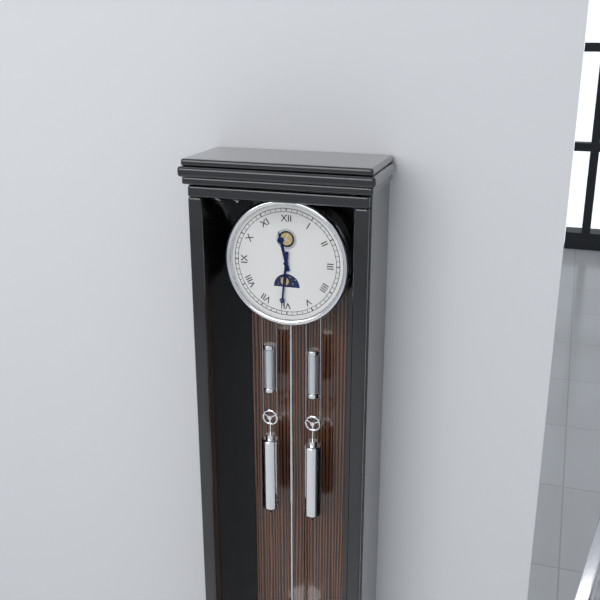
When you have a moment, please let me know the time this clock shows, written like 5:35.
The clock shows 11:31
